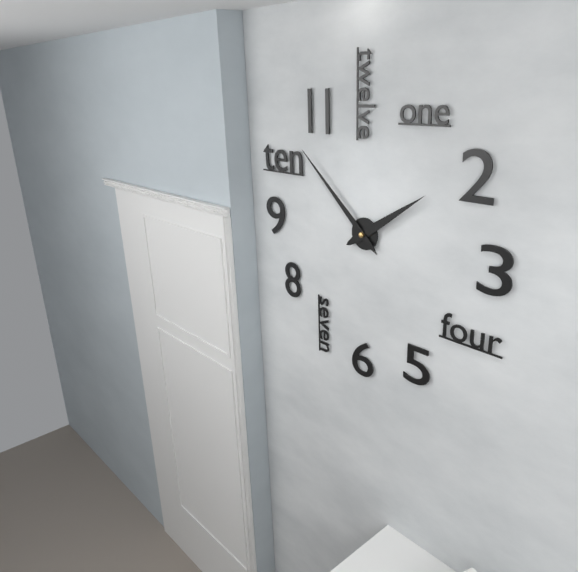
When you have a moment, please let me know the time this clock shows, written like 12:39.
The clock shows 1:52
